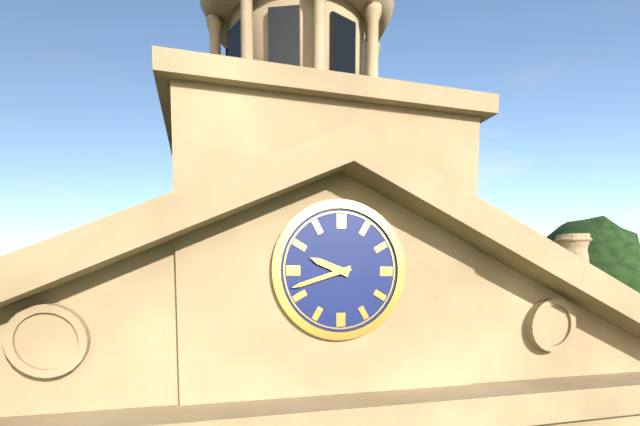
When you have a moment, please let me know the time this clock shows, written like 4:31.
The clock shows 9:42
